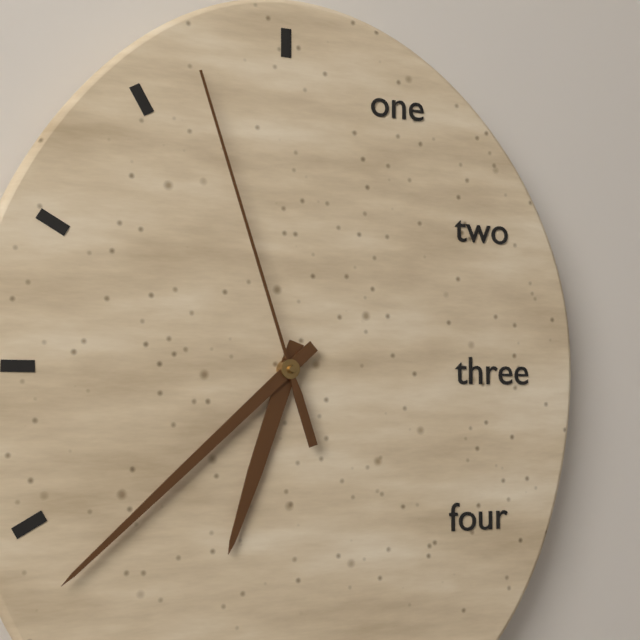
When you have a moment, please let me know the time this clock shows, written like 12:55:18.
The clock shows 6:38:57
